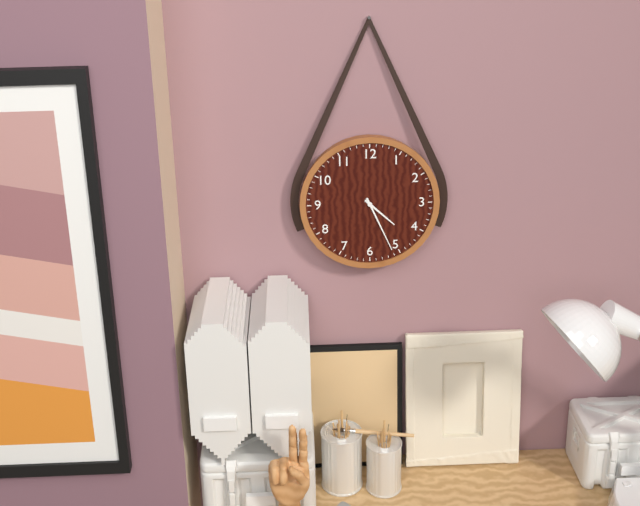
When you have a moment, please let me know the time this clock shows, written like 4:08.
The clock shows 4:26
